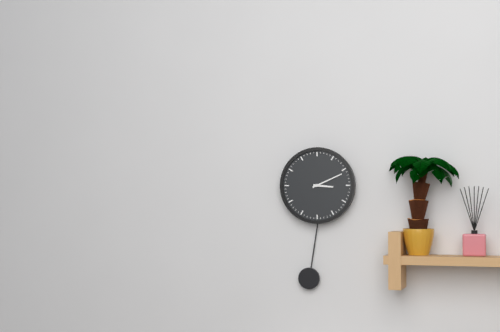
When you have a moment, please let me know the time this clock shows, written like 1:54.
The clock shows 3:11
